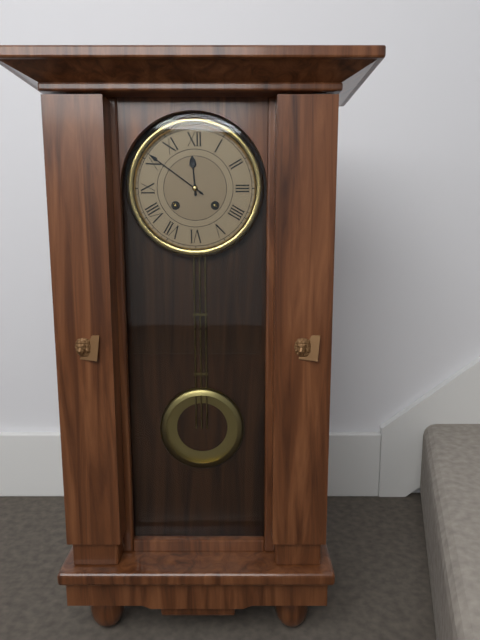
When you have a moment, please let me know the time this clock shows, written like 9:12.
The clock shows 11:51
